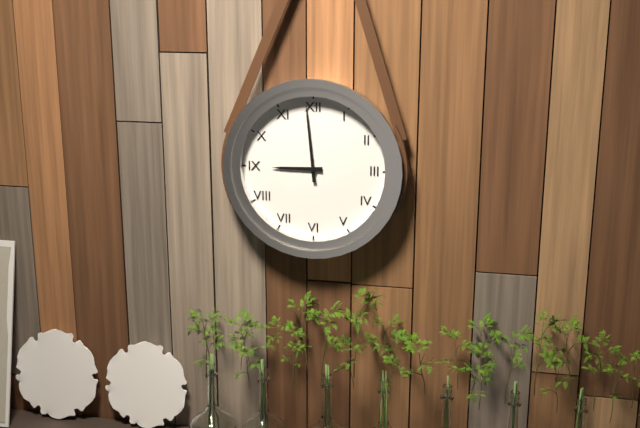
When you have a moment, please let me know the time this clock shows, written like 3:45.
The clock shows 8:59
